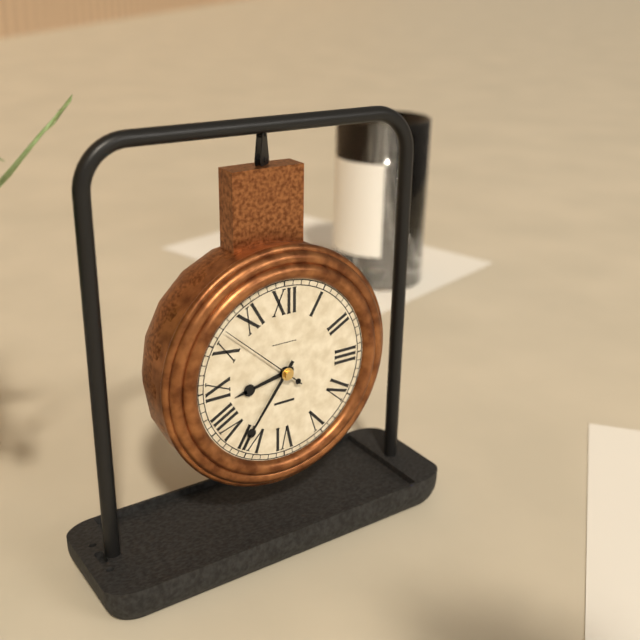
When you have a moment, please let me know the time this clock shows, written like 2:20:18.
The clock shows 8:36:52
